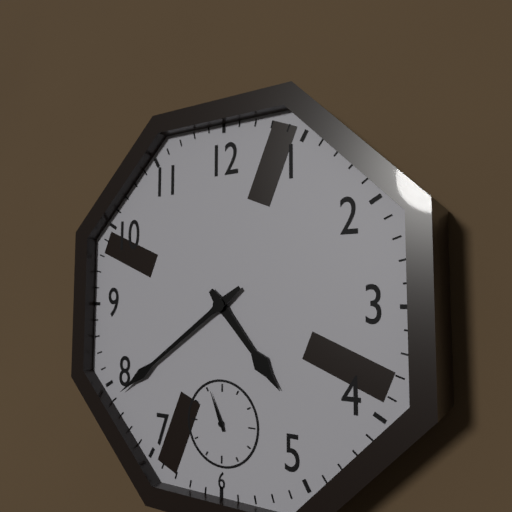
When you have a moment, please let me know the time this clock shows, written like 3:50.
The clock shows 4:39
